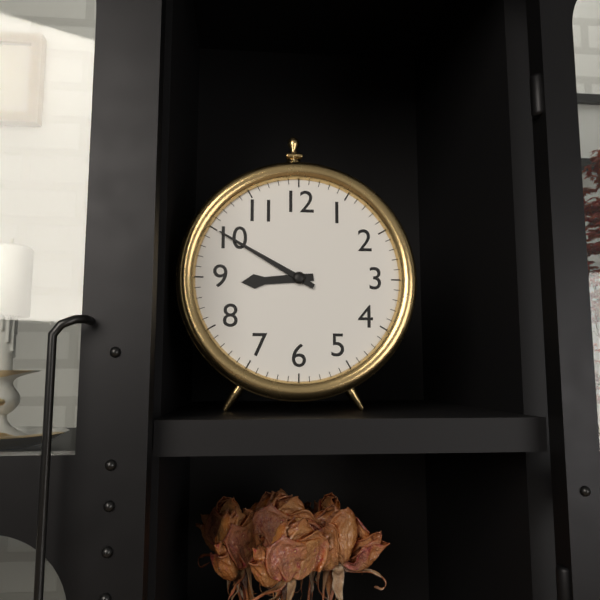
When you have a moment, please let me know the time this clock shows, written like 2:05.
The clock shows 8:50
